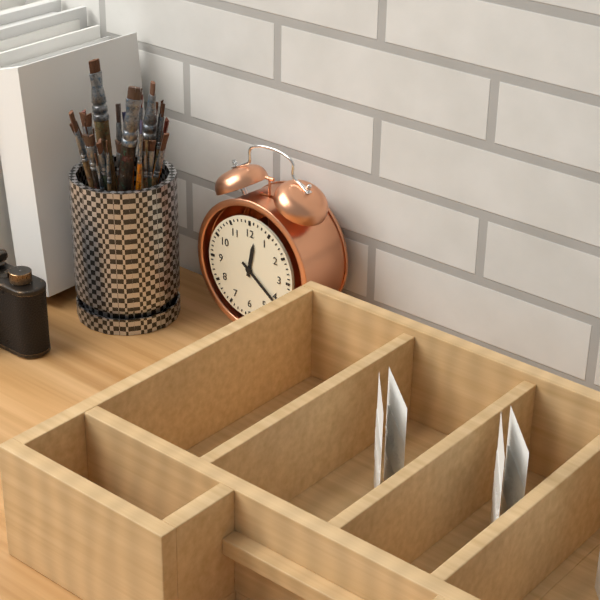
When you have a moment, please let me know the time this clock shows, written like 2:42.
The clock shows 12:21
